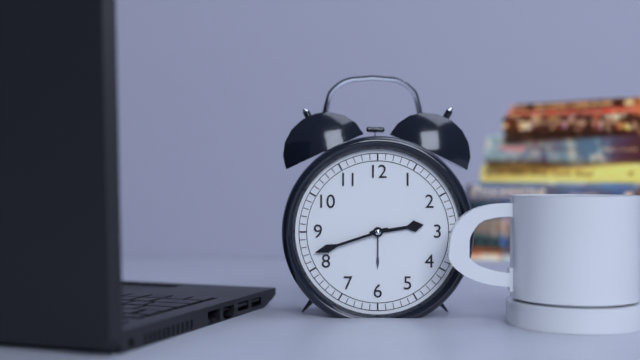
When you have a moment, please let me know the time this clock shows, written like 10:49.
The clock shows 2:42
